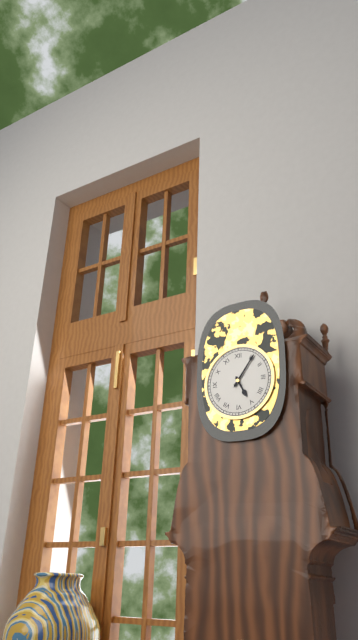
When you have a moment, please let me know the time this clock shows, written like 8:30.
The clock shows 5:06
